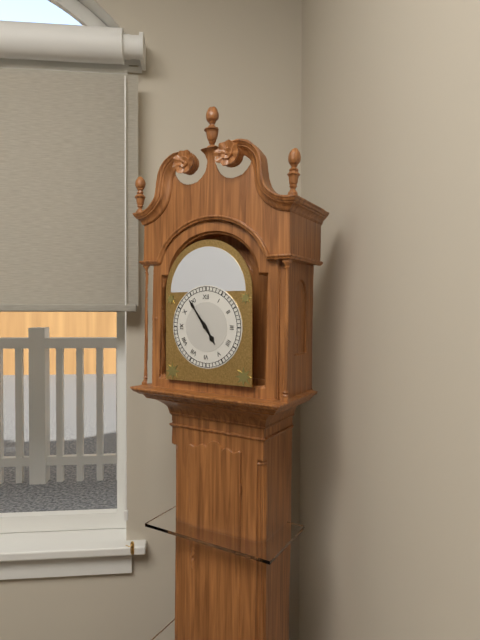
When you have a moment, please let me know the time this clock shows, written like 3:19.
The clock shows 4:54
